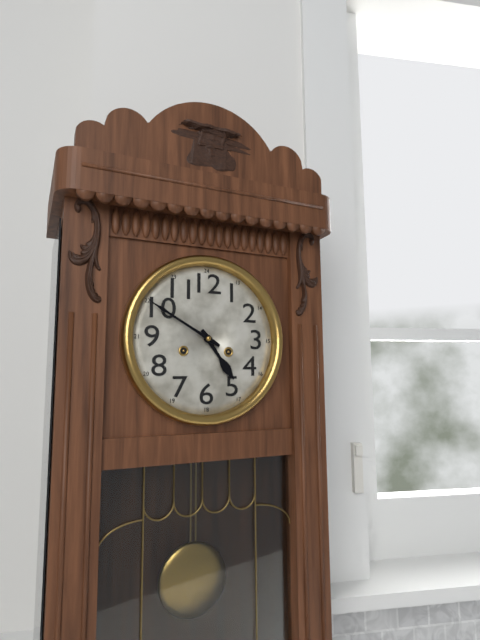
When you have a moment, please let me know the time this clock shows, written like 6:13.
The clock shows 4:50
